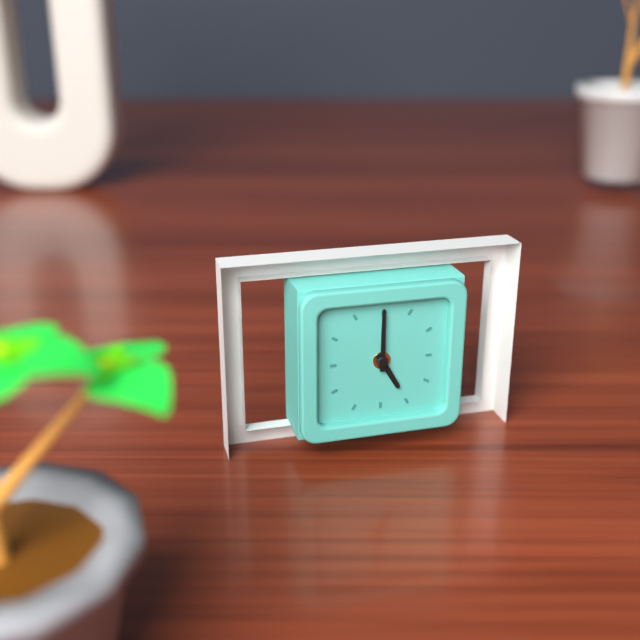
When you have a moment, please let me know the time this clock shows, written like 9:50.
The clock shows 5:00
